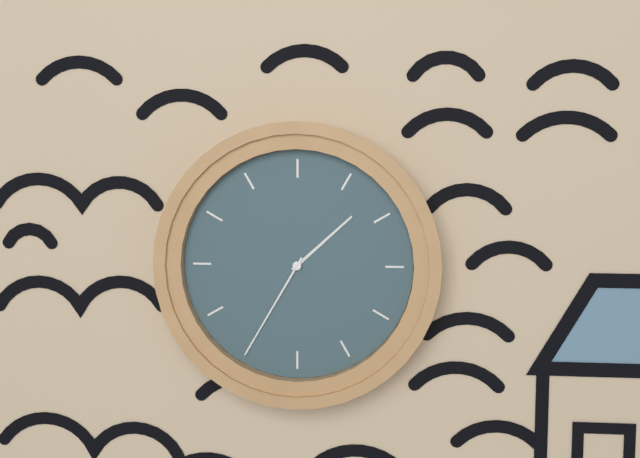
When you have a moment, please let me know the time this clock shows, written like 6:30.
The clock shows 1:35
